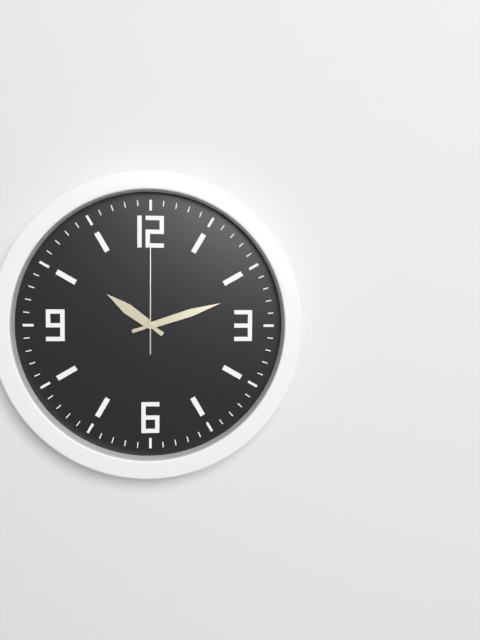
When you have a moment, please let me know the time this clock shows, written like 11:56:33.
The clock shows 10:12:00
